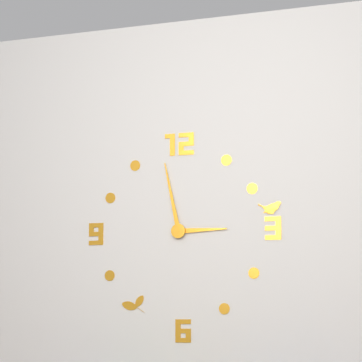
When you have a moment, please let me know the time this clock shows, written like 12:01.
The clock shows 2:58
